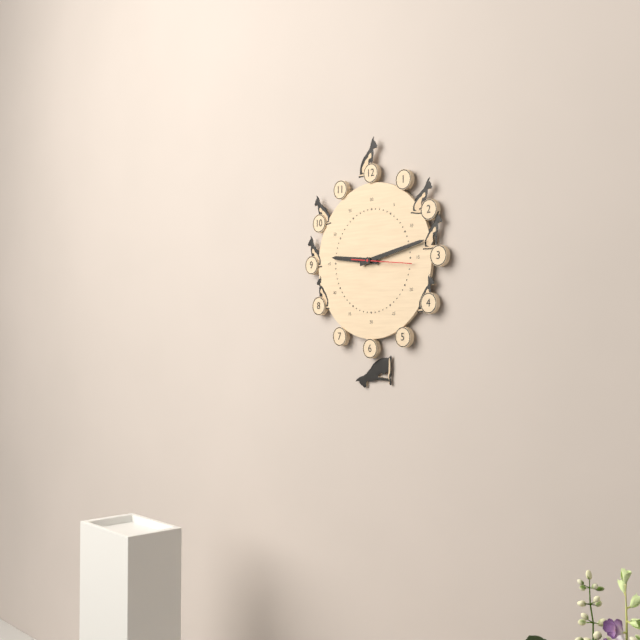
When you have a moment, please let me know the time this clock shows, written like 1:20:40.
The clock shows 9:13:16
